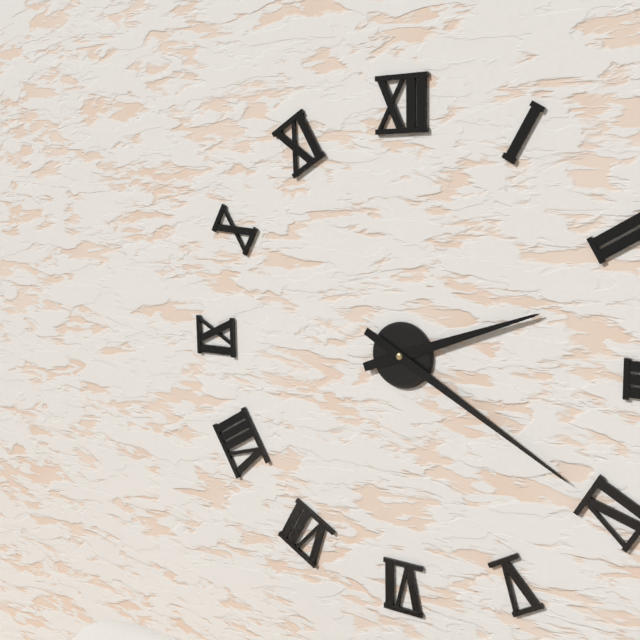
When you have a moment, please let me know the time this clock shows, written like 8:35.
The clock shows 2:20
